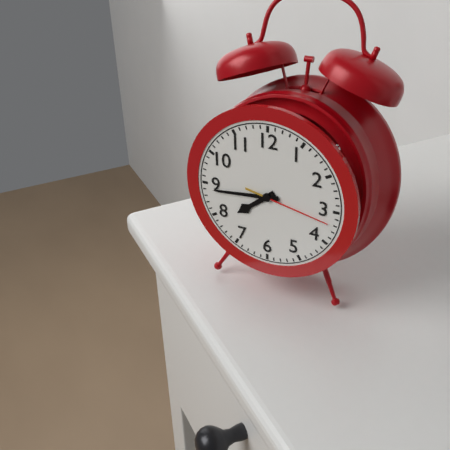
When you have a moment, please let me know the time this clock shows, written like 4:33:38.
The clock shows 7:44:17
